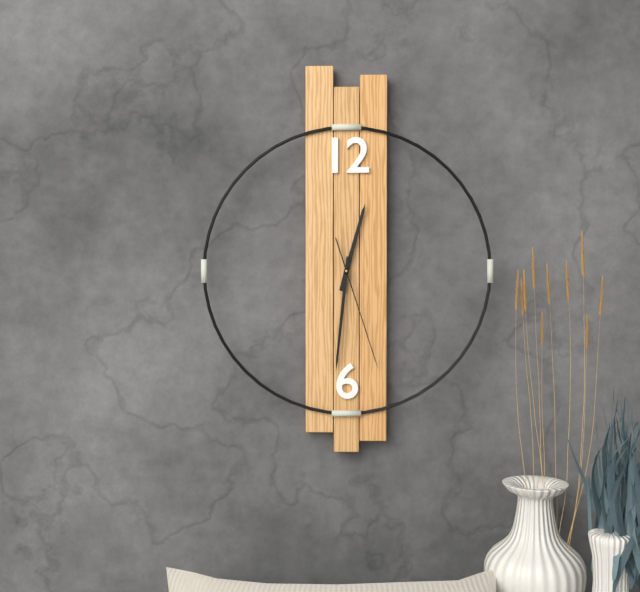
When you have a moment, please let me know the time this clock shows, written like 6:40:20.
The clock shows 12:31:27
